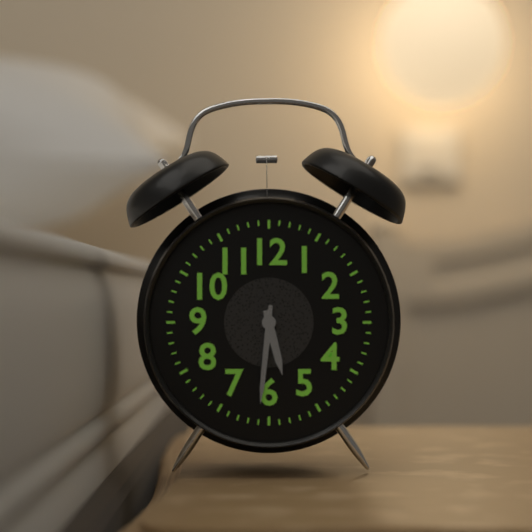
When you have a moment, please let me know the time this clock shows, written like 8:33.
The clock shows 5:31
